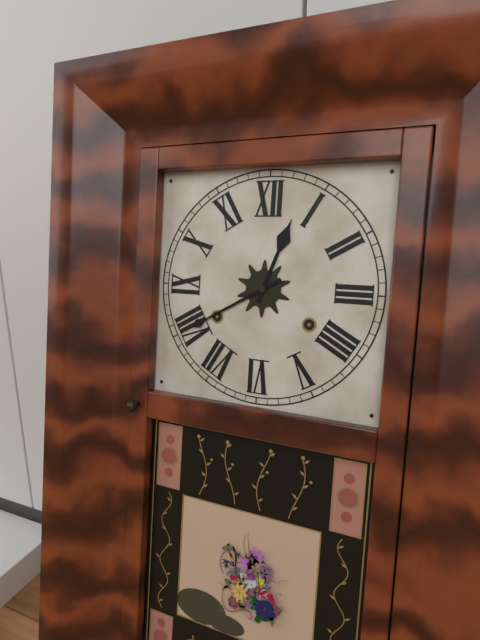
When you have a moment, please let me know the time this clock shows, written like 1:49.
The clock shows 12:40
